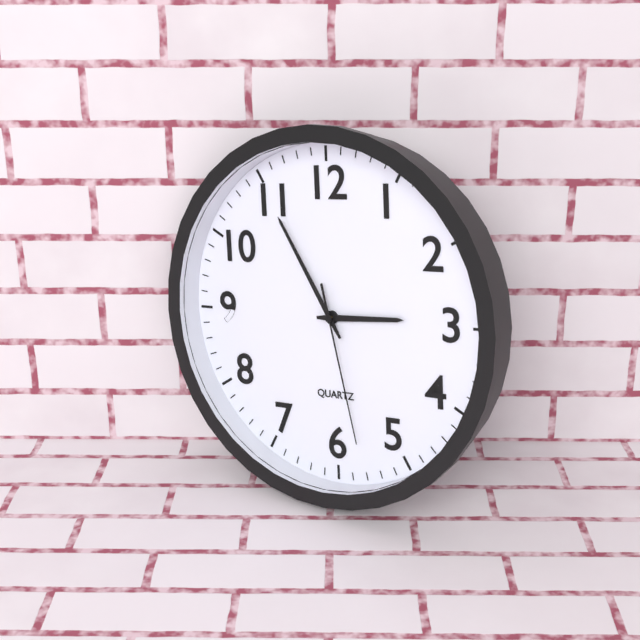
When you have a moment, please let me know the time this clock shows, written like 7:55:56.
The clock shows 2:55:28
